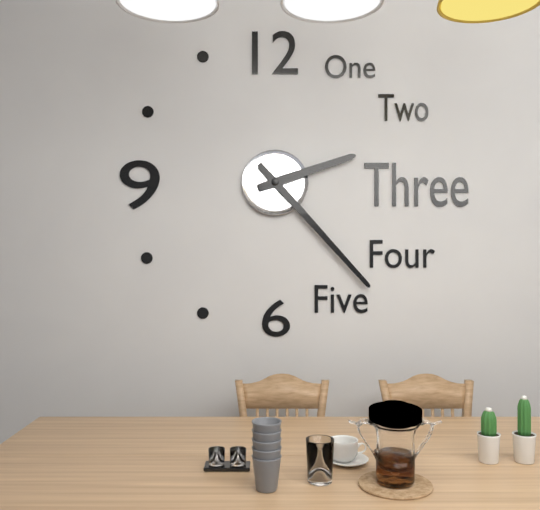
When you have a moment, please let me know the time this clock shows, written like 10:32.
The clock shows 2:23
